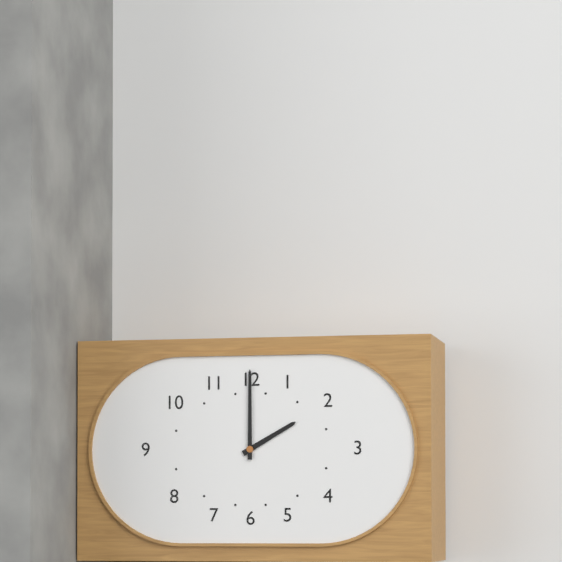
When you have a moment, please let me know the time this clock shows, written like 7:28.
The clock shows 2:00
